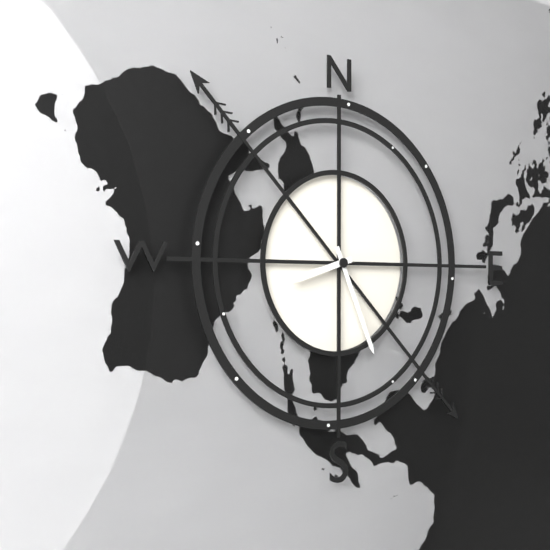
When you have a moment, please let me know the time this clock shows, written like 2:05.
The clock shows 8:26
